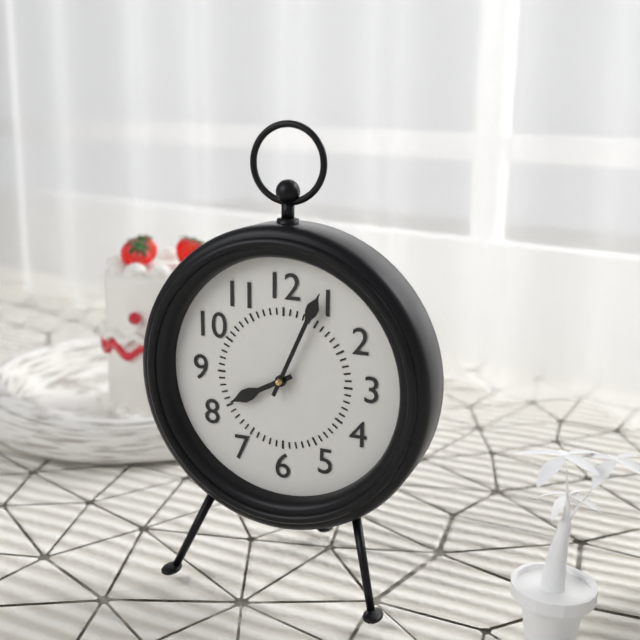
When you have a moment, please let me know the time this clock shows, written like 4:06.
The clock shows 8:04
